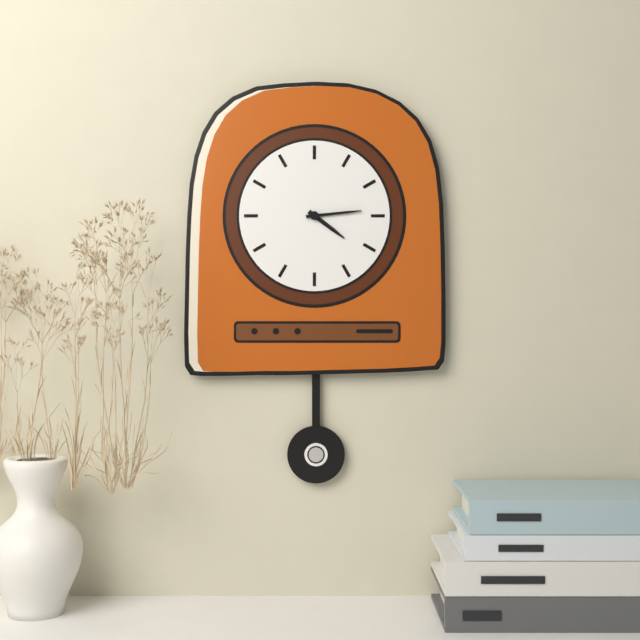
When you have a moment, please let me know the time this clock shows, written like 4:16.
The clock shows 4:14
